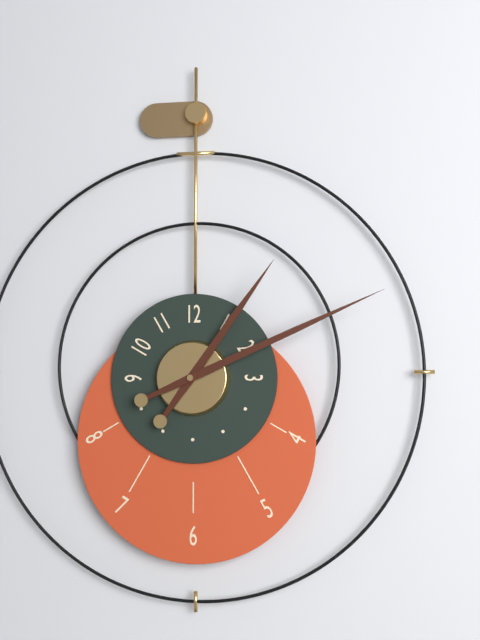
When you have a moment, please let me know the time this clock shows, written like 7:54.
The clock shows 1:11
